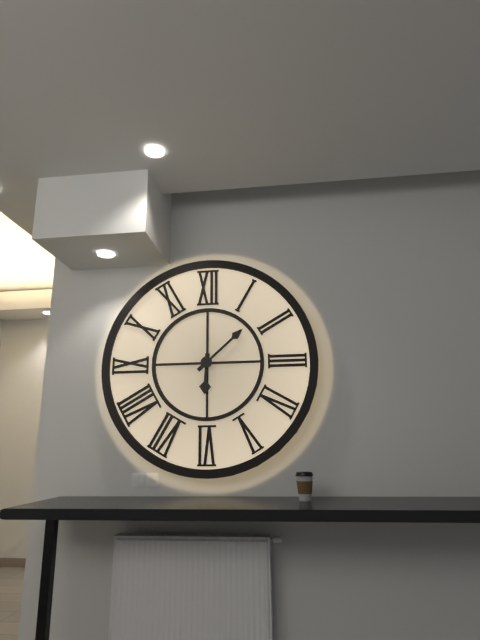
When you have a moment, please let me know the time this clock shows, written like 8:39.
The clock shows 6:08
